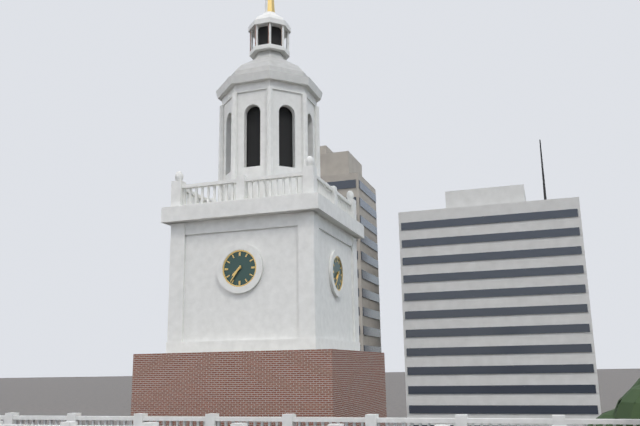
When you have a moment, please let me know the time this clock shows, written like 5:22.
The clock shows 7:36
